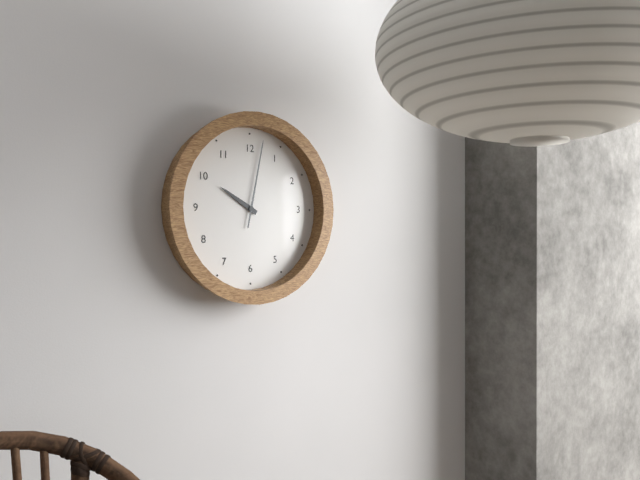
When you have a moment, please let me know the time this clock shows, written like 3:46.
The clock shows 10:02
